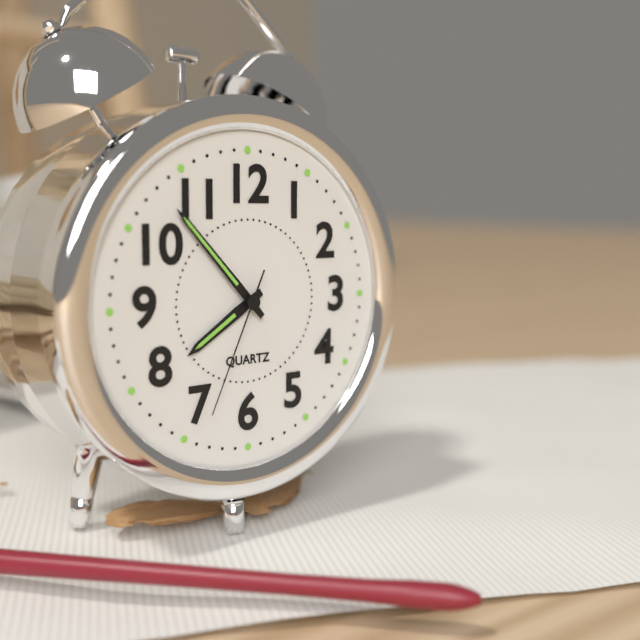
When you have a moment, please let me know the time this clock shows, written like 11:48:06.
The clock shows 7:53:34
